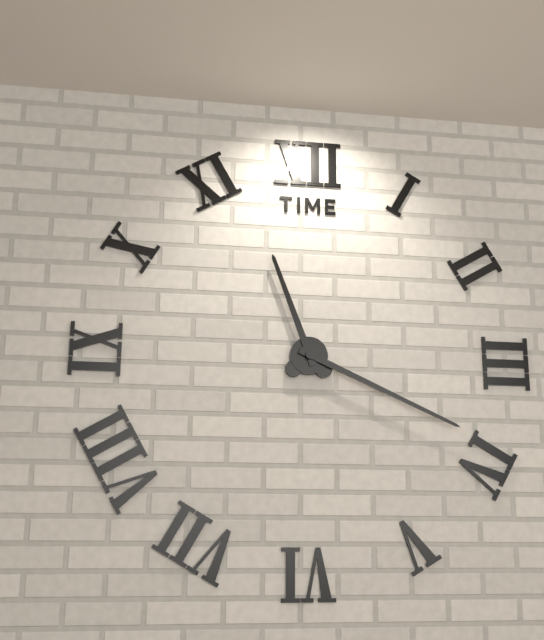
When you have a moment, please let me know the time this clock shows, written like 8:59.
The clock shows 11:19
